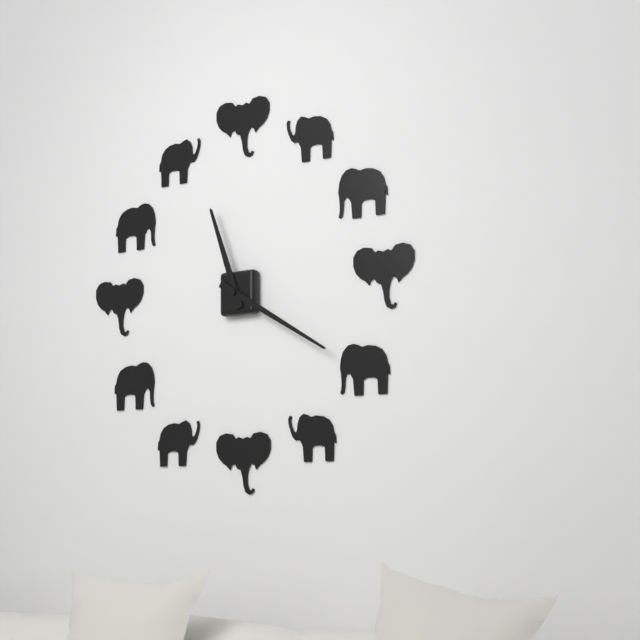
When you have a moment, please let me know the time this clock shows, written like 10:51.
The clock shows 11:20
